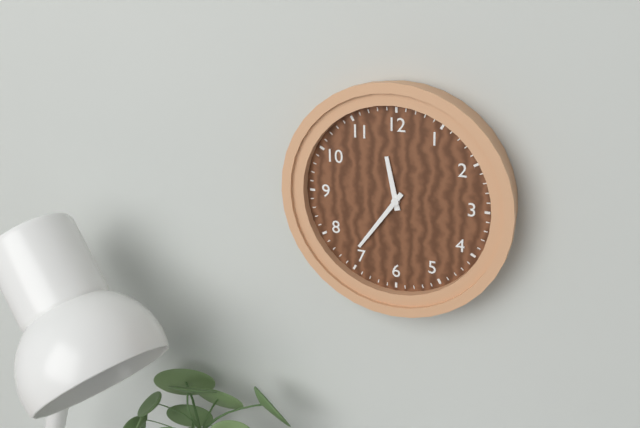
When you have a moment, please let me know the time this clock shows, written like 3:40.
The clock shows 11:36
